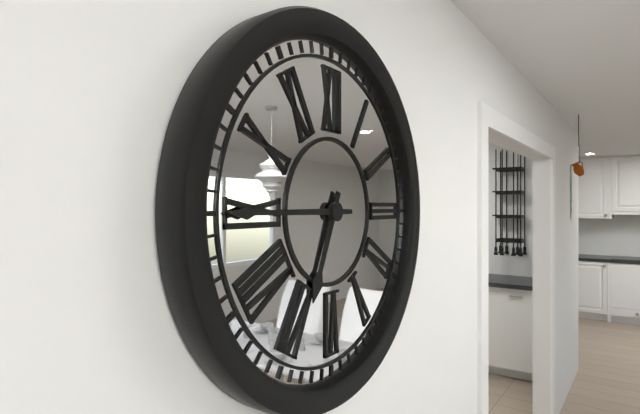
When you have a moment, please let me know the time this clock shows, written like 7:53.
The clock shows 6:45
